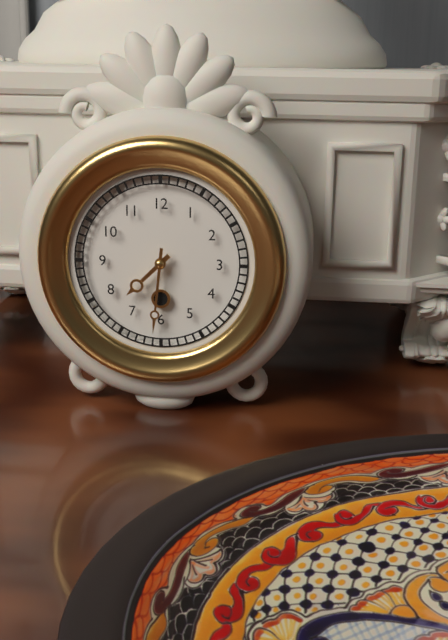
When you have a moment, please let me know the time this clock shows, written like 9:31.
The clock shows 7:31
